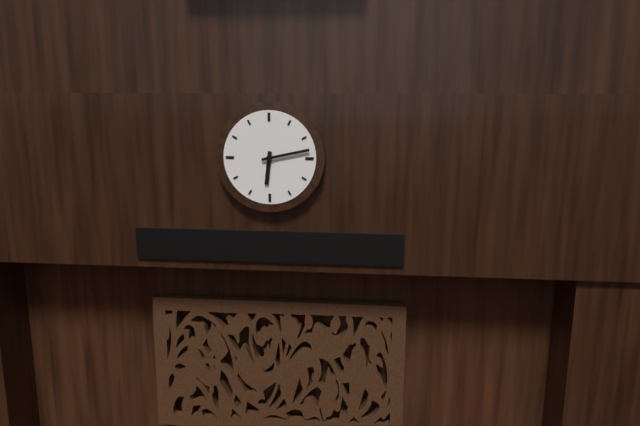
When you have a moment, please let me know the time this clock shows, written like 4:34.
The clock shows 6:13
